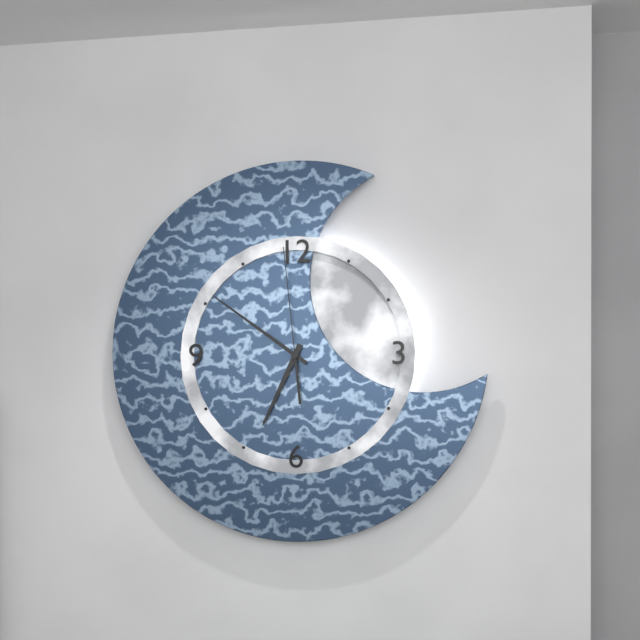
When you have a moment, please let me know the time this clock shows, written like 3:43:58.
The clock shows 6:51:59
